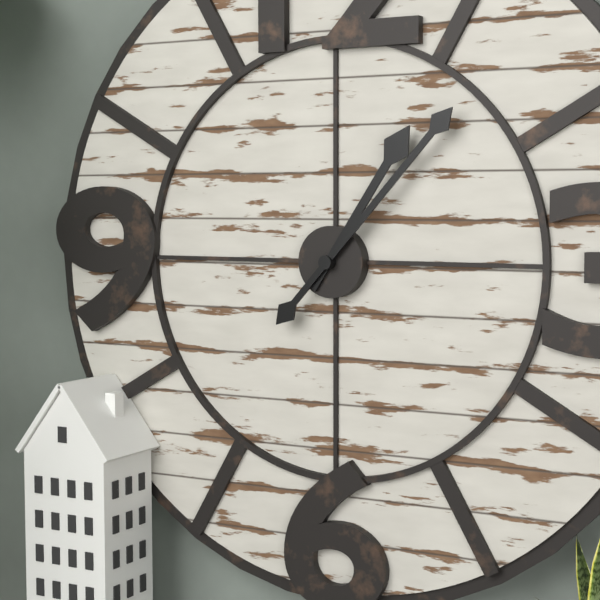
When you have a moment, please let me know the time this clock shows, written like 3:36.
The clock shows 1:07
